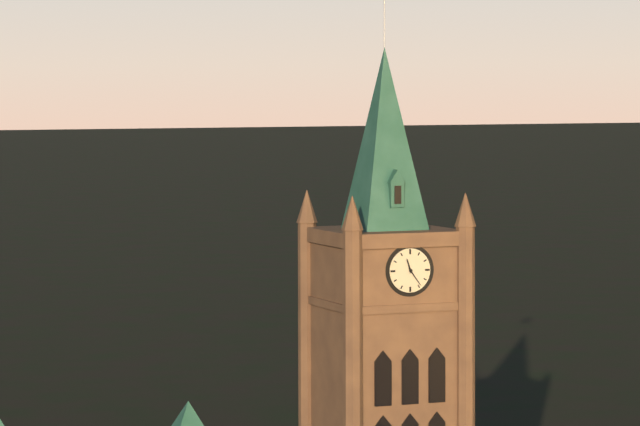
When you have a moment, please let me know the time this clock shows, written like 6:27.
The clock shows 11:24
